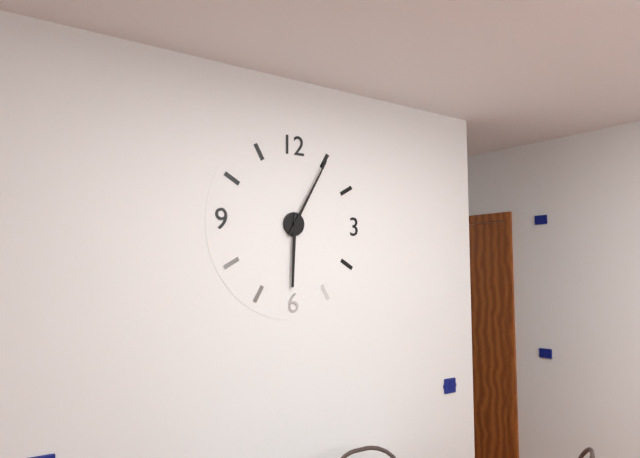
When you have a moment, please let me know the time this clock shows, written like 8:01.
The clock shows 6:05
